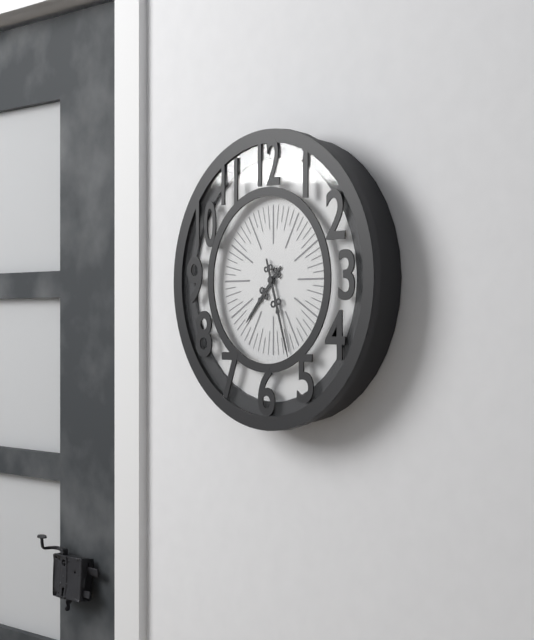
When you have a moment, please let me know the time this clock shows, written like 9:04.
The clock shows 7:27
